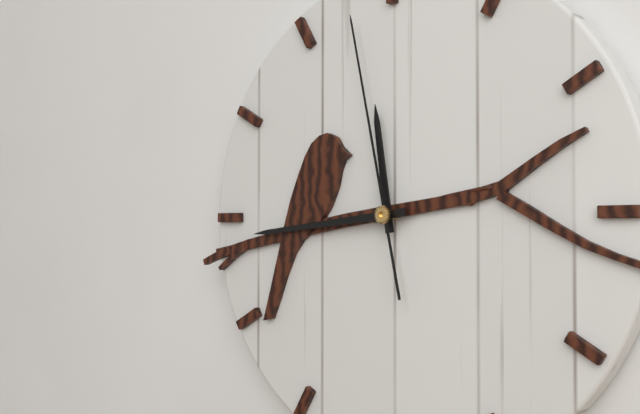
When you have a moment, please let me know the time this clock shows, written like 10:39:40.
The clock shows 11:44:58
